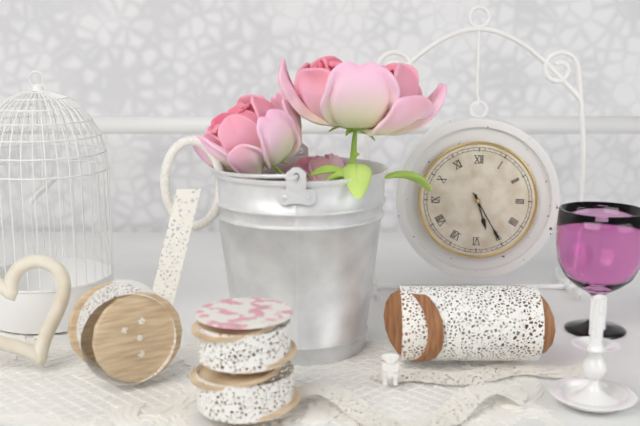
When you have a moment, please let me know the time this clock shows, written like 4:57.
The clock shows 5:25
